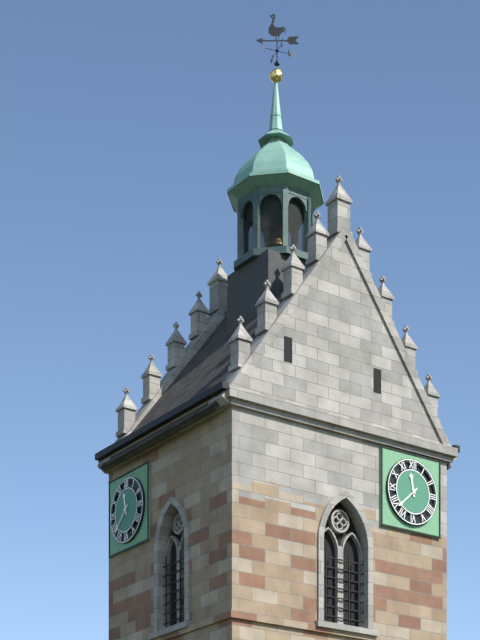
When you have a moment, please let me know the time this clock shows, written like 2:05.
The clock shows 11:38
